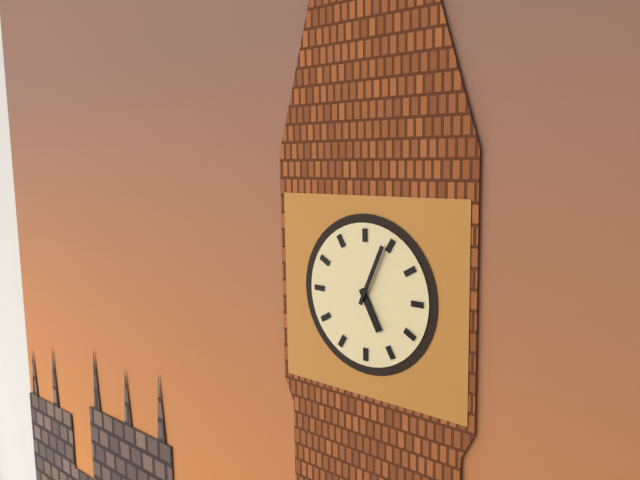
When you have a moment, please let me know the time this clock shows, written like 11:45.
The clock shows 5:04
